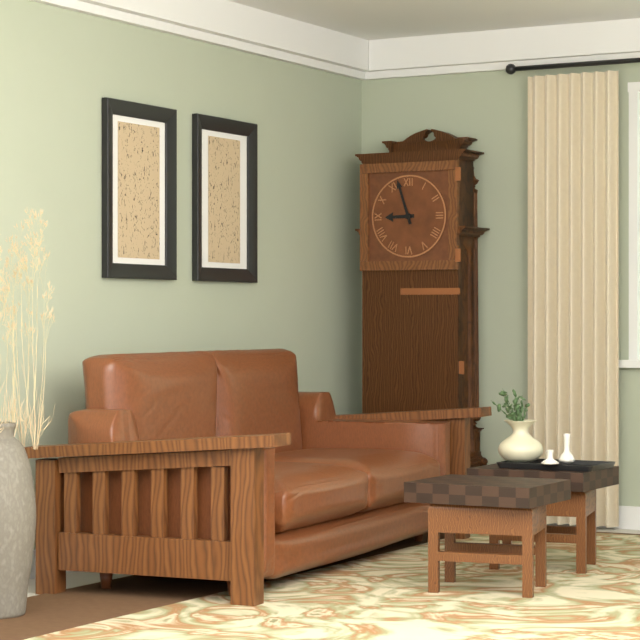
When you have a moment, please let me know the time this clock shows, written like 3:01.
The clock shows 8:57
